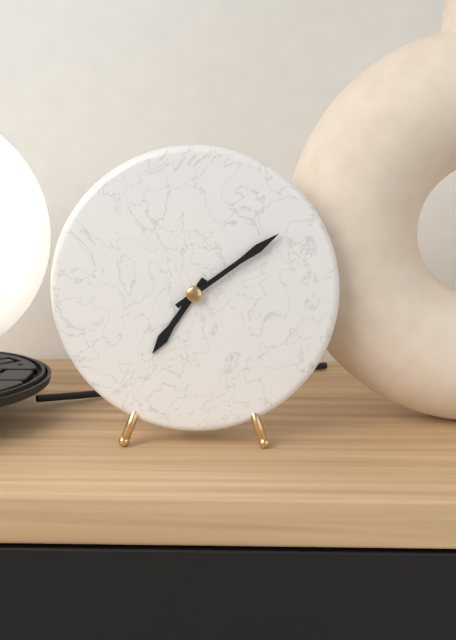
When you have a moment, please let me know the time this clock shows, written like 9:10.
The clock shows 7:09
